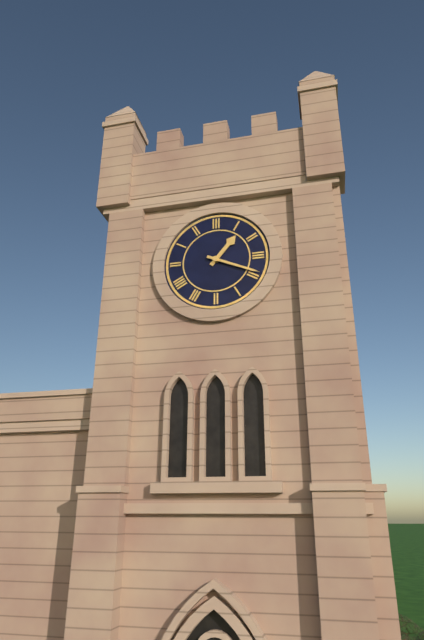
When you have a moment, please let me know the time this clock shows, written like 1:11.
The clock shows 1:19
